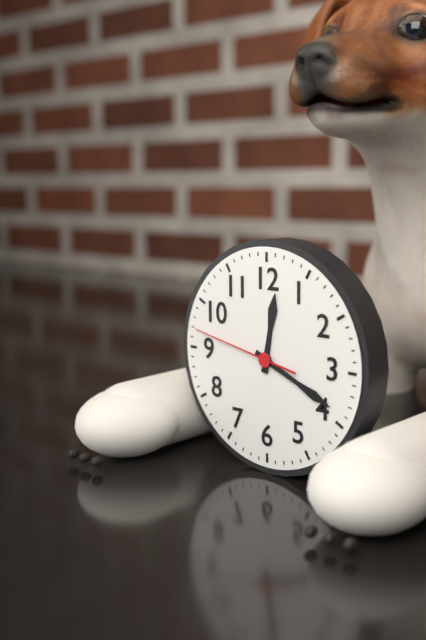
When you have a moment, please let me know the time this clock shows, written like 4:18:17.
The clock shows 12:19:47
